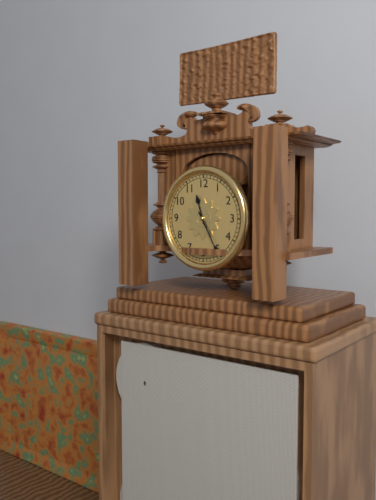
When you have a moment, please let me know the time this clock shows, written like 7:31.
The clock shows 11:25
